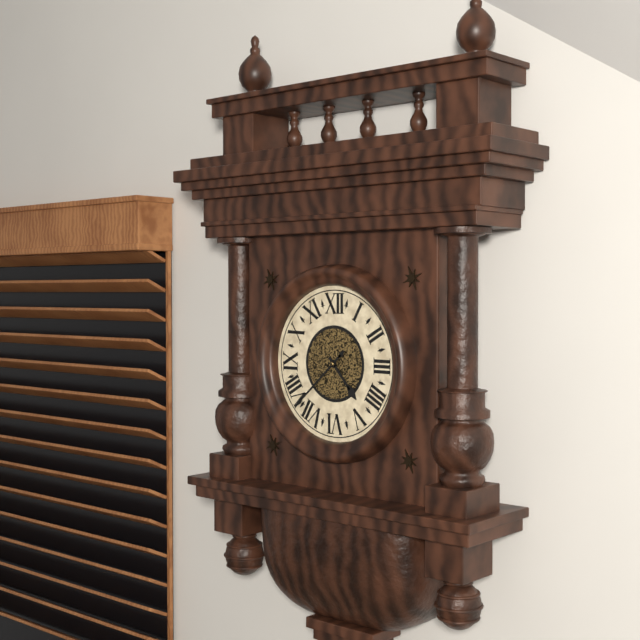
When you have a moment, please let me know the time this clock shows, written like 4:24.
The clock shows 4:38
